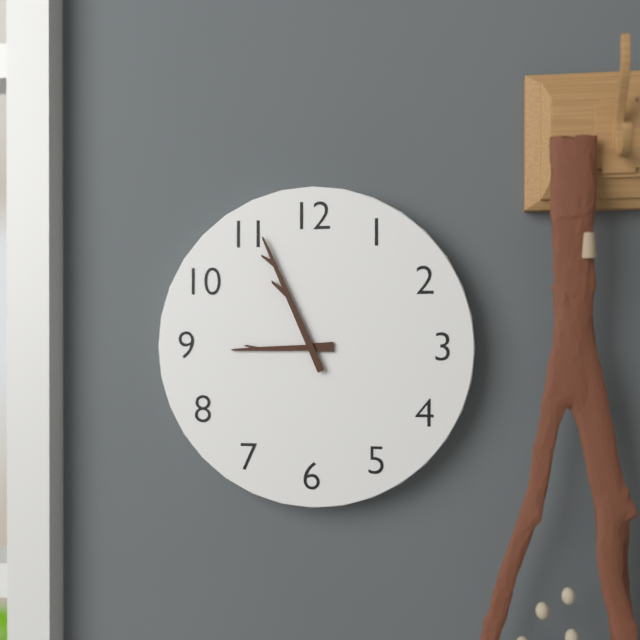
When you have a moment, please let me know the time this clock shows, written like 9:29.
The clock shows 8:56
